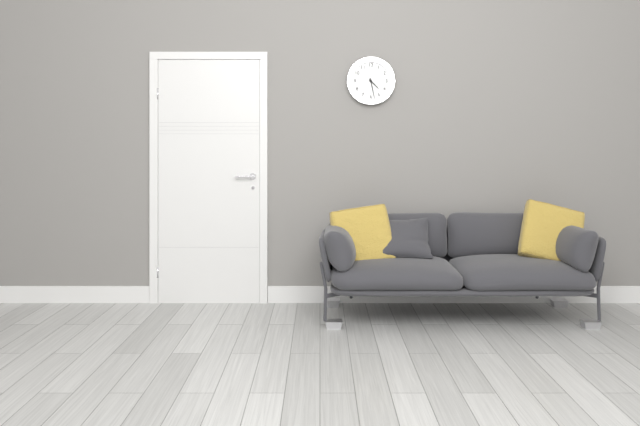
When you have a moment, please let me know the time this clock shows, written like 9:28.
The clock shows 4:28
